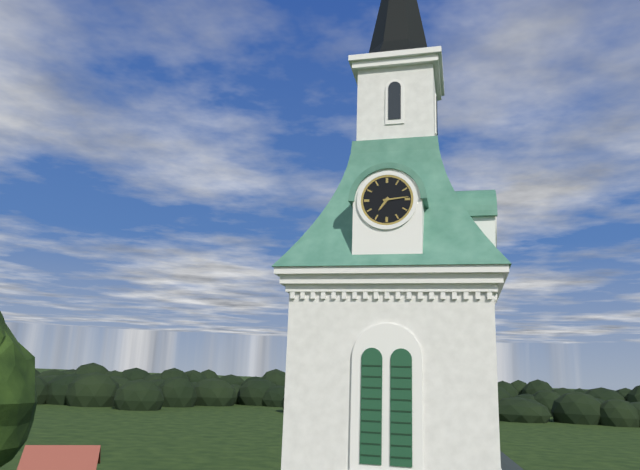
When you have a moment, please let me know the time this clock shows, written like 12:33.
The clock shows 7:14
